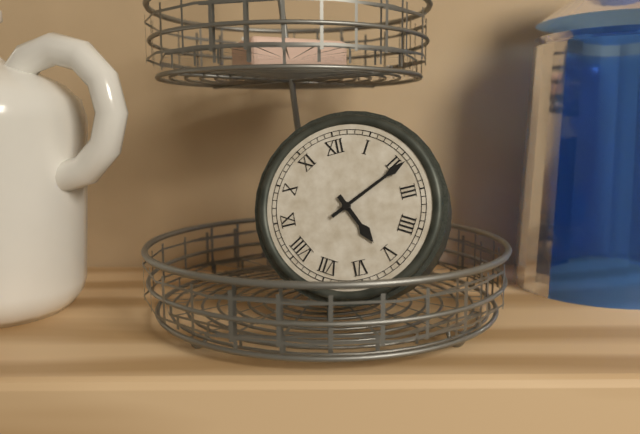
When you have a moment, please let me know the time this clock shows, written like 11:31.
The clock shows 5:11
